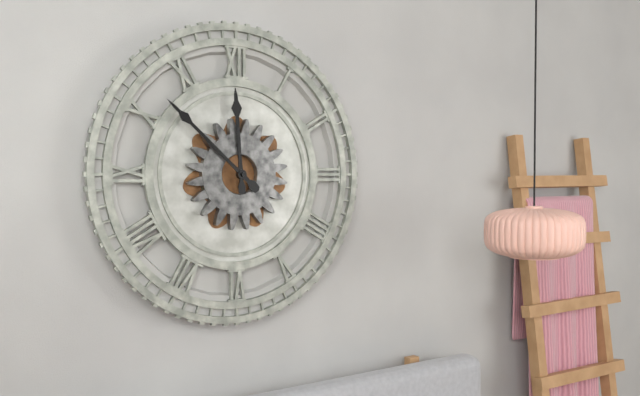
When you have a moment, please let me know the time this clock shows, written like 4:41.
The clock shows 11:52
